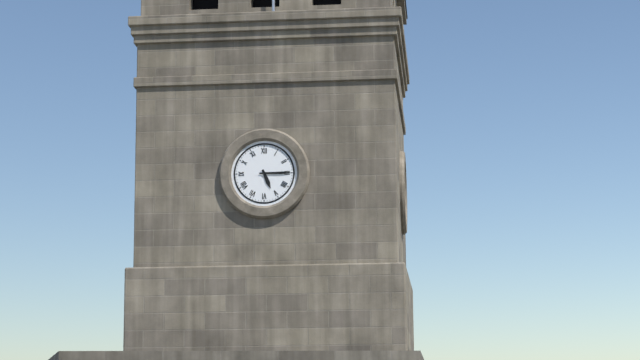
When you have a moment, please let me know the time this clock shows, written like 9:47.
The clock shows 5:15
